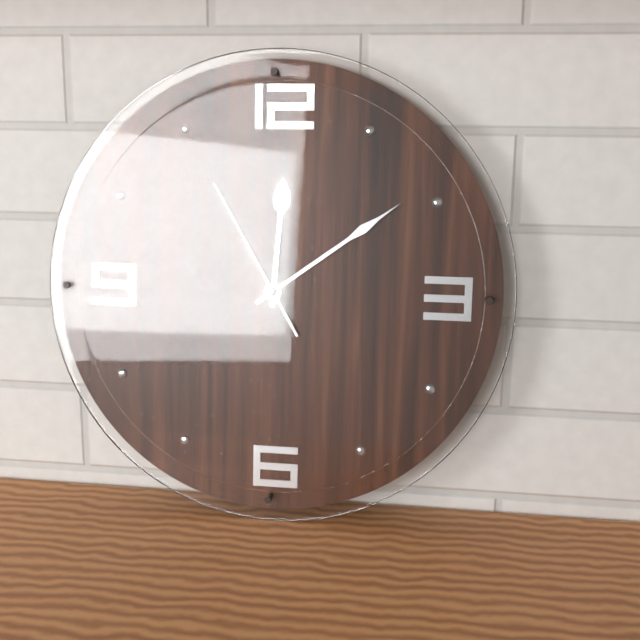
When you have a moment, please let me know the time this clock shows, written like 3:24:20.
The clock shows 12:09:55
